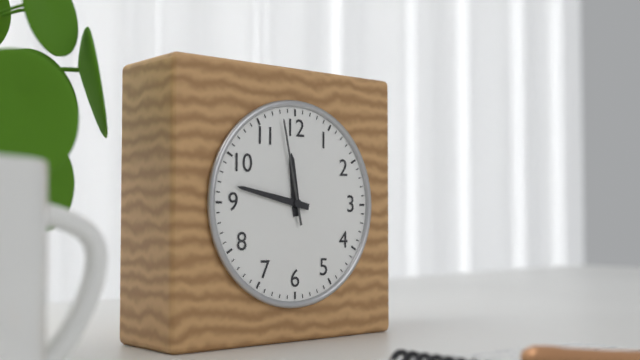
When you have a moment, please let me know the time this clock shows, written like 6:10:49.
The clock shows 11:47:58
